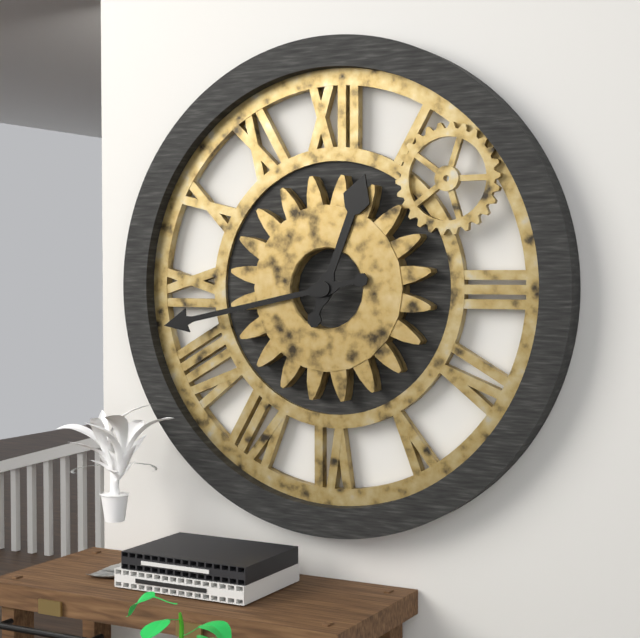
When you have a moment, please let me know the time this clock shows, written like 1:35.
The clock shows 12:43
